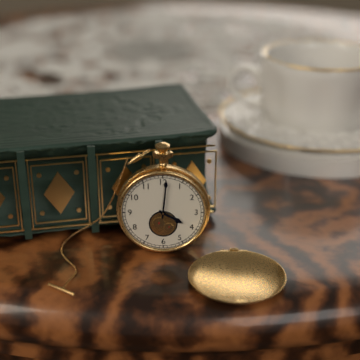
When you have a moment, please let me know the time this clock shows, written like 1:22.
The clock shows 4:01
